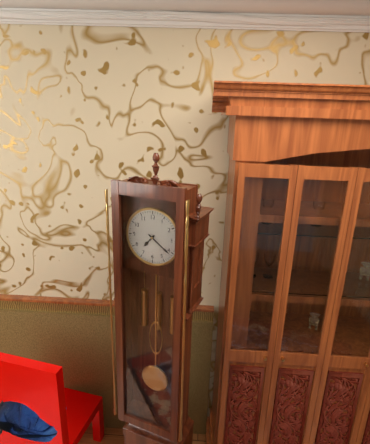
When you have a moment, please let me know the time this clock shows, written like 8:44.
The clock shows 7:21
